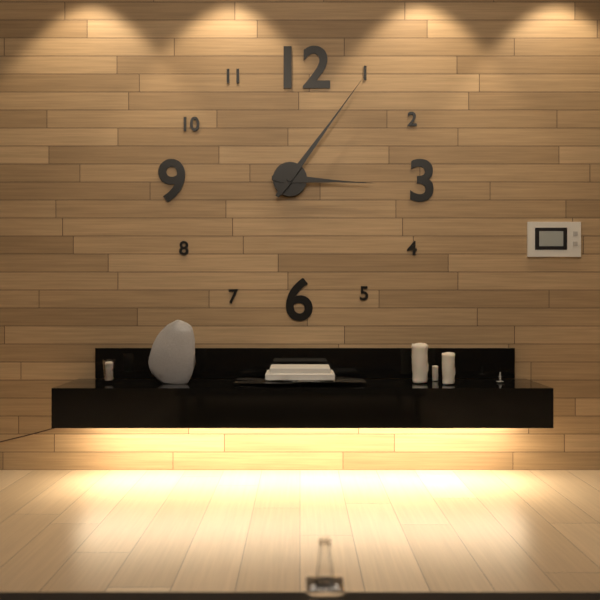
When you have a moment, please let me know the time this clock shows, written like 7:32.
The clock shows 3:06
